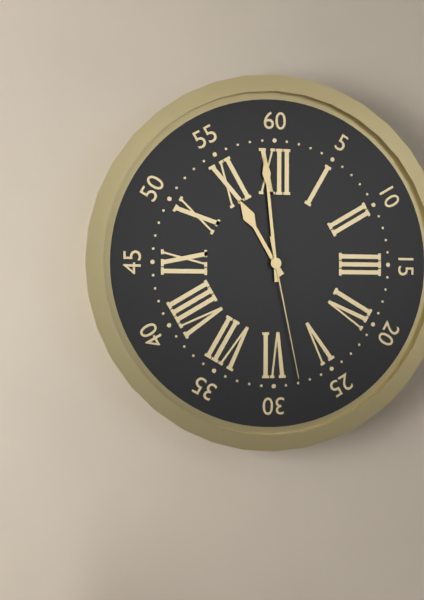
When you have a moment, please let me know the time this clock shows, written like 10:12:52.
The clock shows 10:59:28
